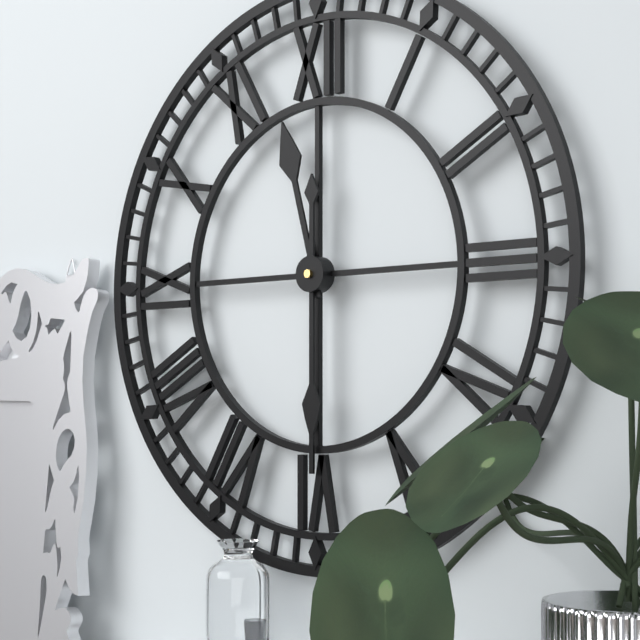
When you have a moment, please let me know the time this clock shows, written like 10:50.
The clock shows 11:30
